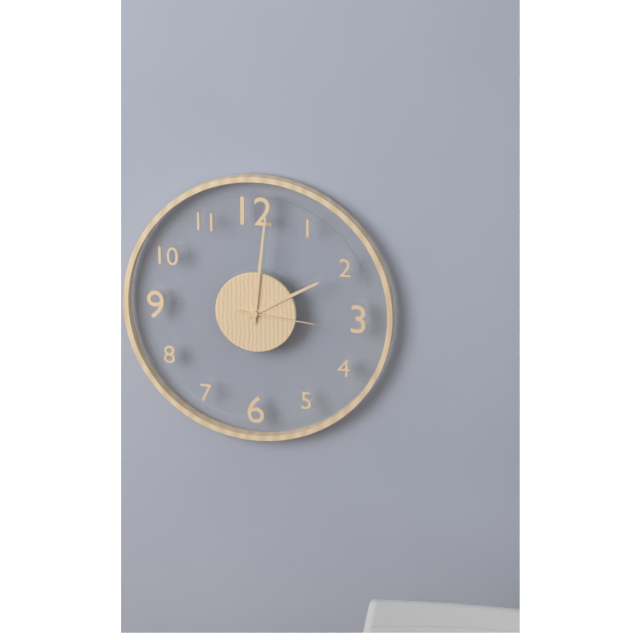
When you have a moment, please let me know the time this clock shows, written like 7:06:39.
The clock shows 2:01:16
